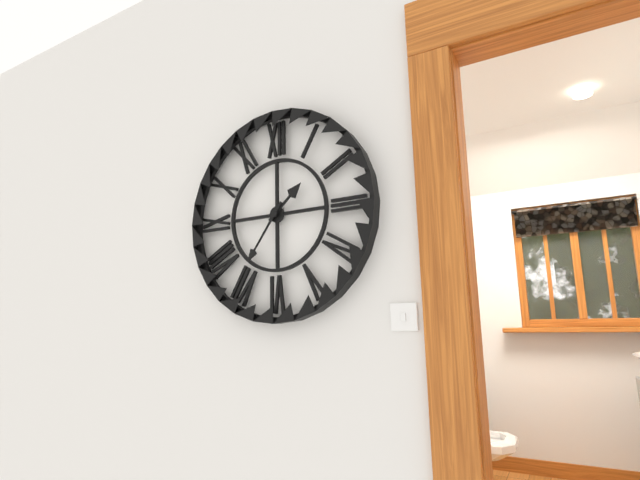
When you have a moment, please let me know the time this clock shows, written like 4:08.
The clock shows 1:36
